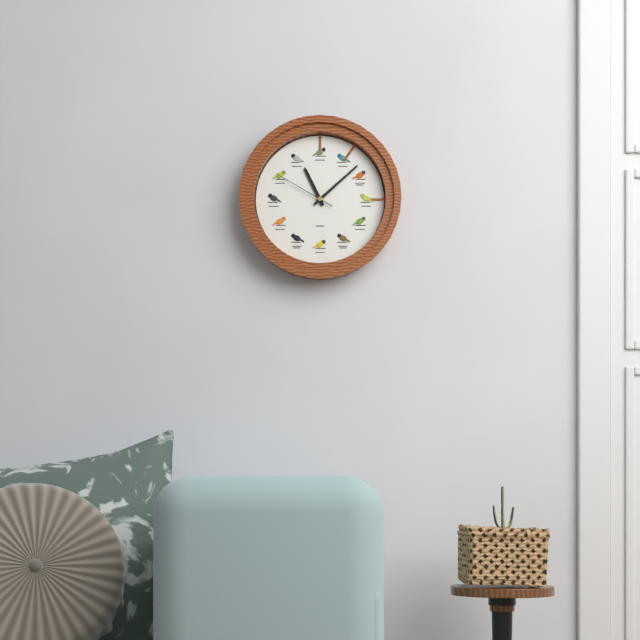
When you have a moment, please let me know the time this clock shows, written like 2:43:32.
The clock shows 11:08:50
